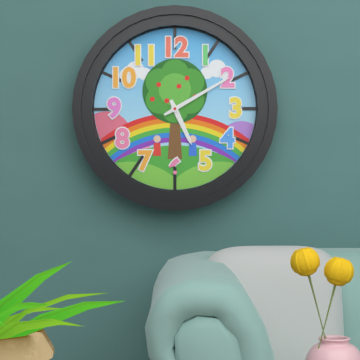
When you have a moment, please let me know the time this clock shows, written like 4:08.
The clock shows 5:10
